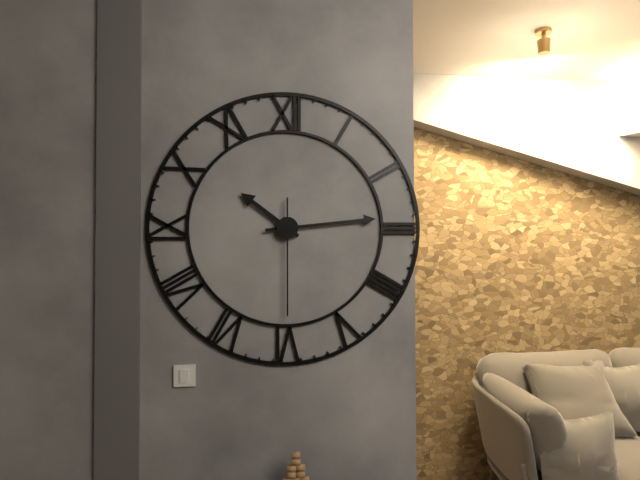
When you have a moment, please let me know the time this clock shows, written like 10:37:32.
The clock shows 10:14:30
